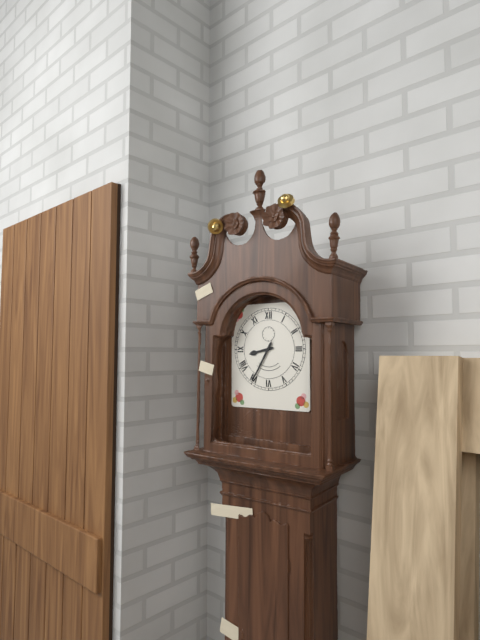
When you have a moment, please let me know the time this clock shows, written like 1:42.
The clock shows 8:35
